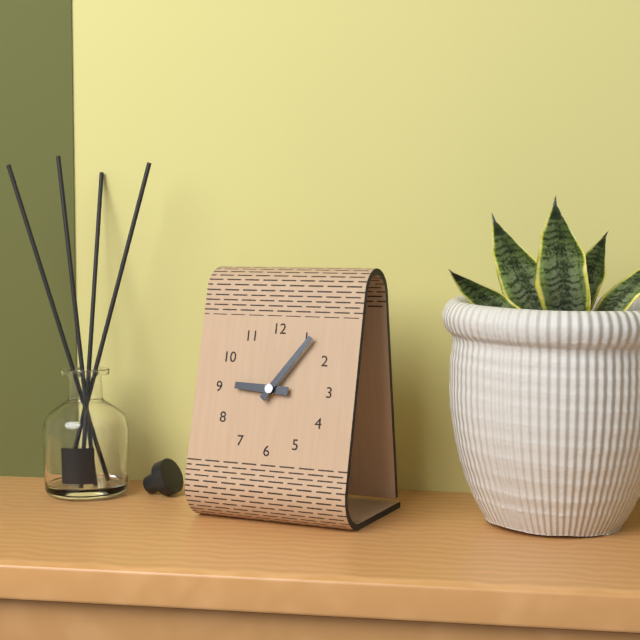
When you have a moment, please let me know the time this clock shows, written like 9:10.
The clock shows 9:06
